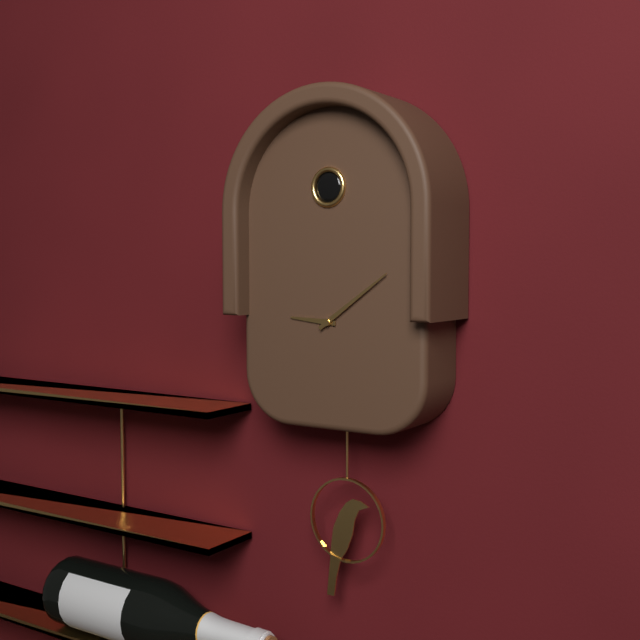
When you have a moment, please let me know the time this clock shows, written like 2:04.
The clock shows 9:09
